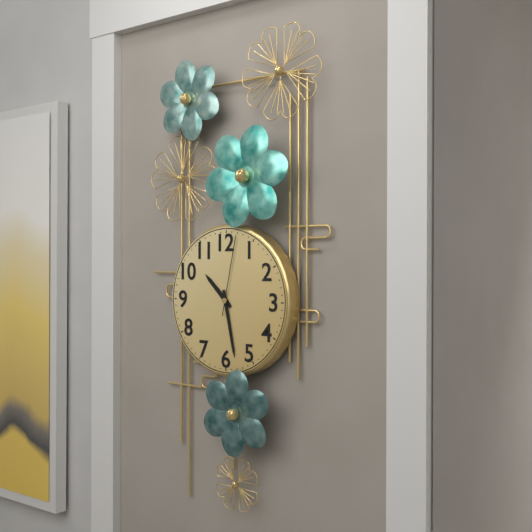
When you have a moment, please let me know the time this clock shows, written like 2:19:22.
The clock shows 10:28:02
